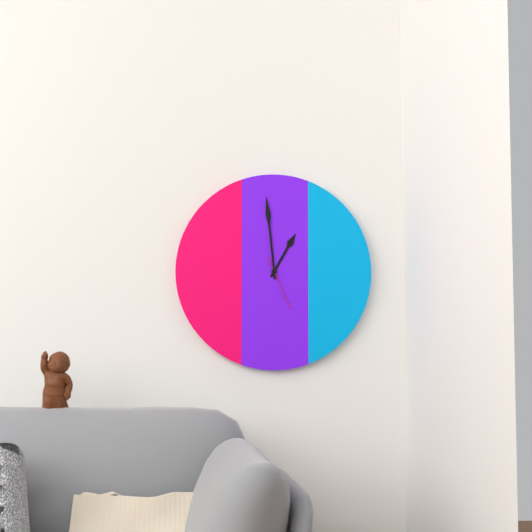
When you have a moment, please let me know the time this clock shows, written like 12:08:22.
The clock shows 12:59:26
